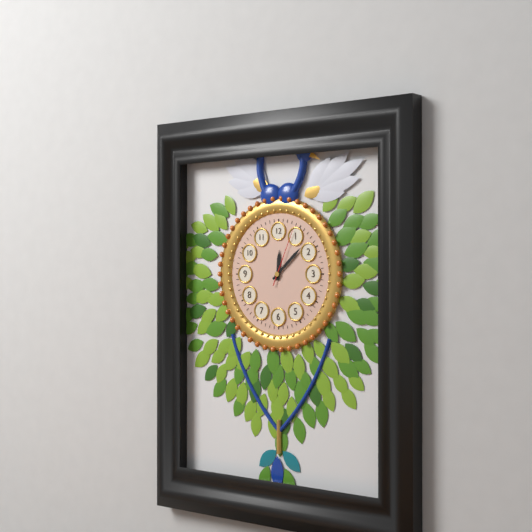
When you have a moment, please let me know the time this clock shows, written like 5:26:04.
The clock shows 12:08:04
